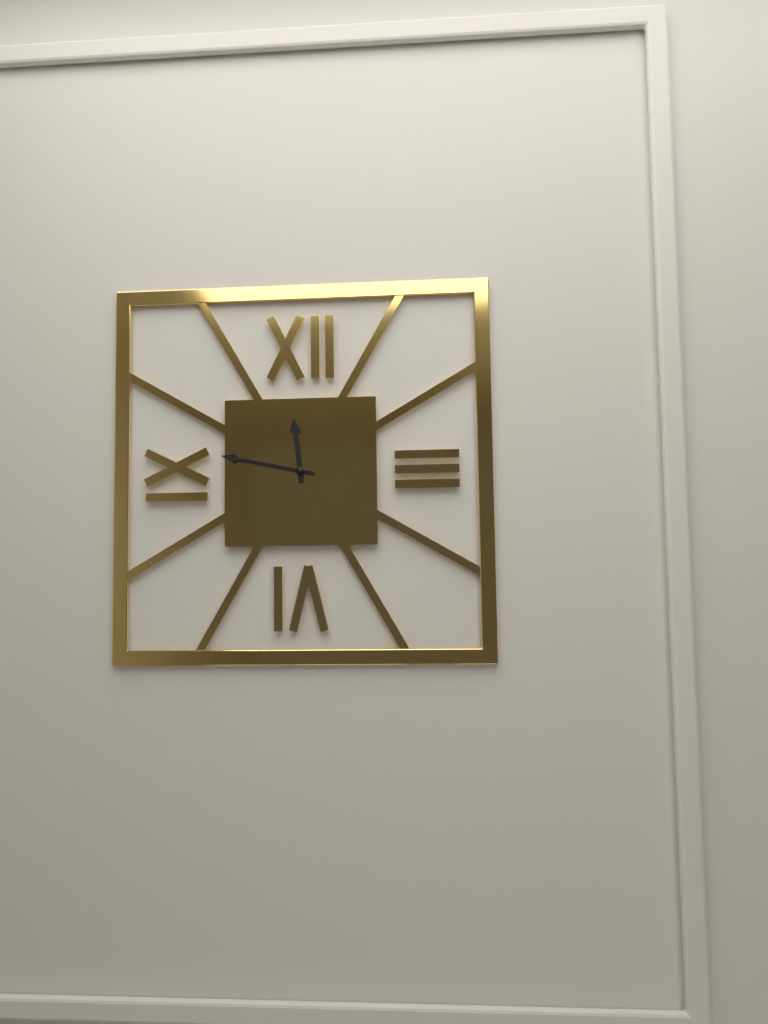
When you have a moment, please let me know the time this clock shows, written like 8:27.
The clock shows 11:47
